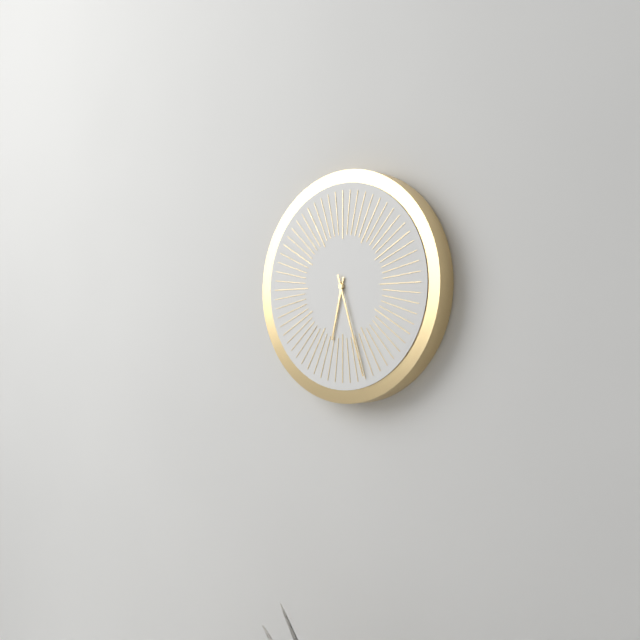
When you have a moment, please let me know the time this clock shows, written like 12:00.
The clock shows 6:27
